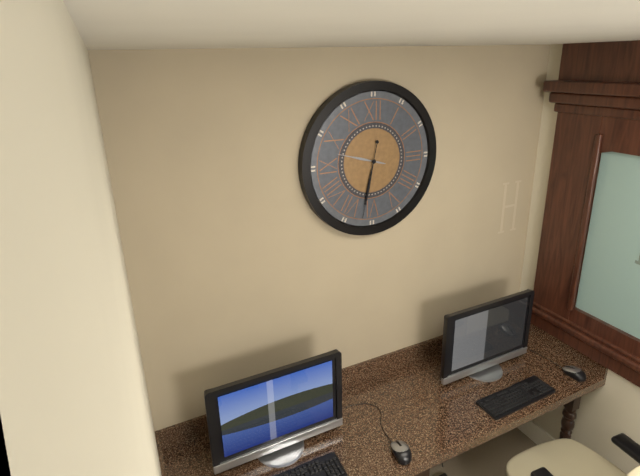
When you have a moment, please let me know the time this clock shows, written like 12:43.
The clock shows 9:32
